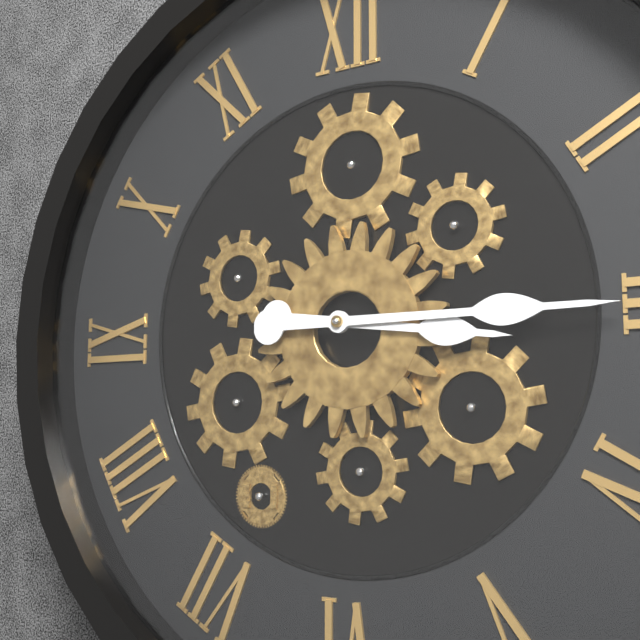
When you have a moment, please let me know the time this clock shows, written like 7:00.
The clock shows 3:15
